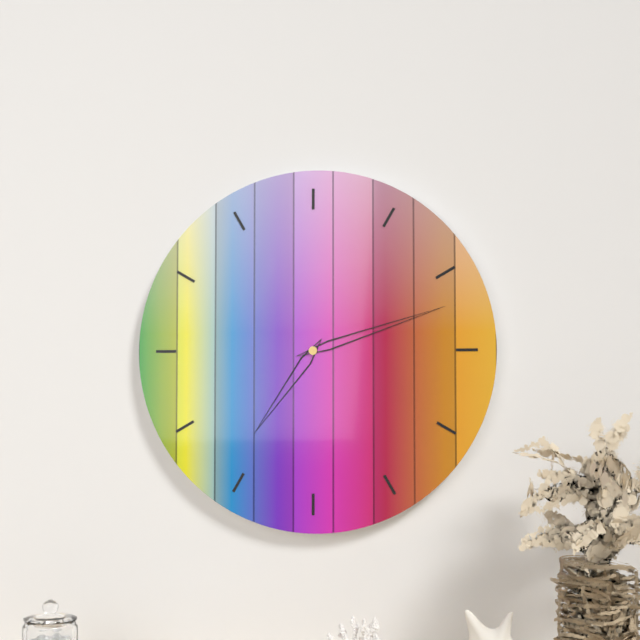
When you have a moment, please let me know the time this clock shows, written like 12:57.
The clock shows 7:12
